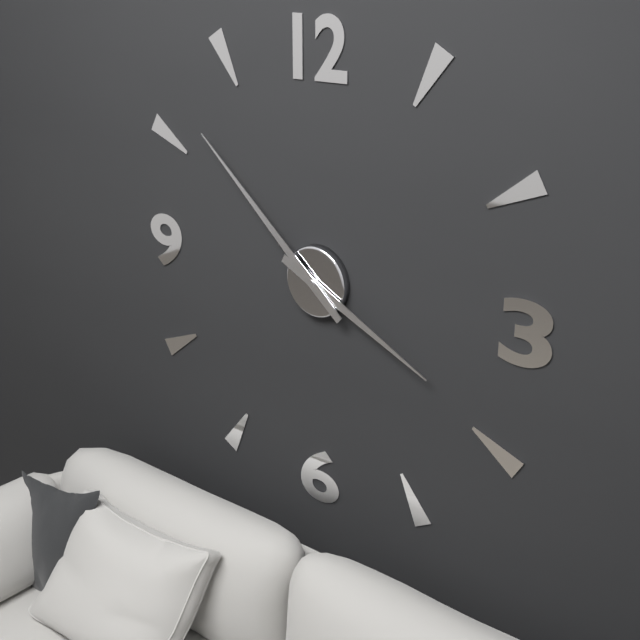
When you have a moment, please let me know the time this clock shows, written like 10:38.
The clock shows 3:52
